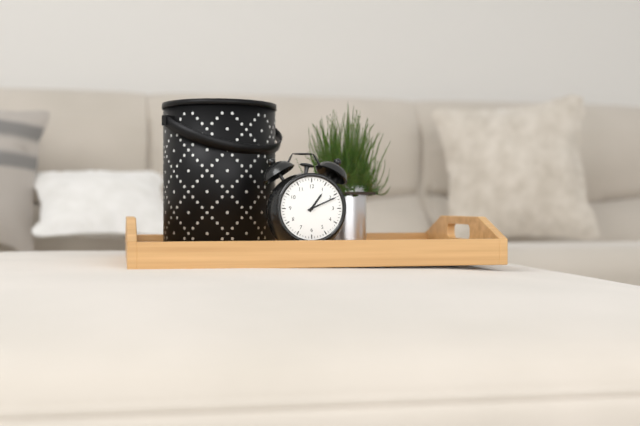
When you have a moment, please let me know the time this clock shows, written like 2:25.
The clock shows 1:11
